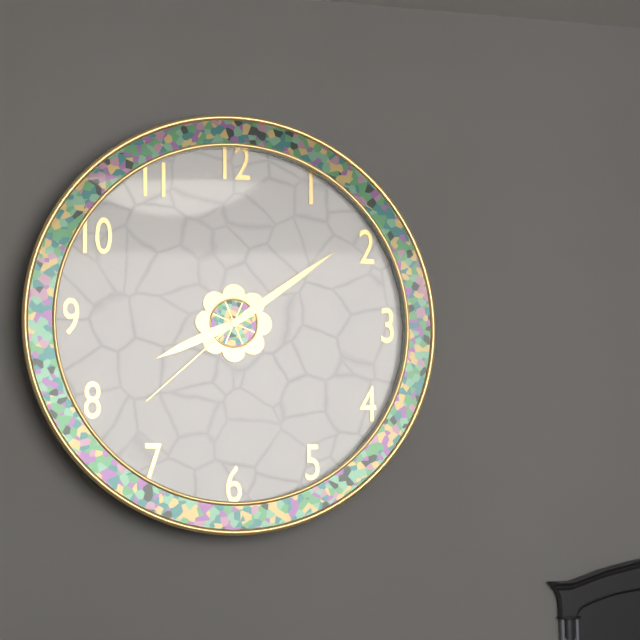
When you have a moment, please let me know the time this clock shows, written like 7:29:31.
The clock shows 8:09:38
